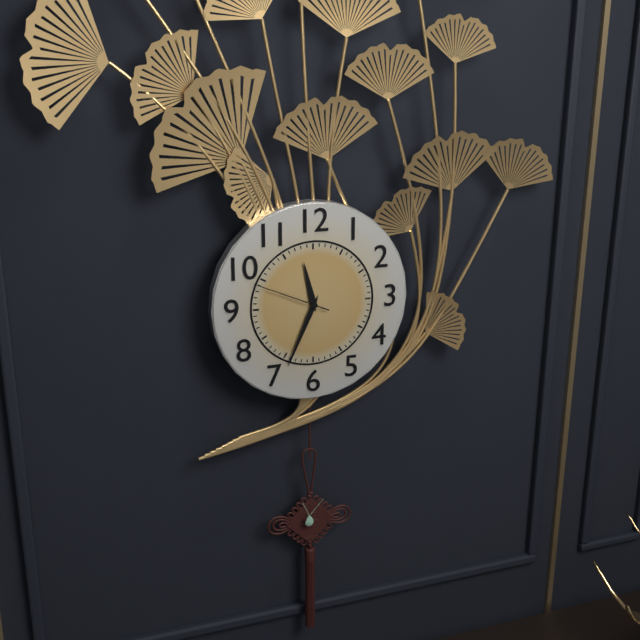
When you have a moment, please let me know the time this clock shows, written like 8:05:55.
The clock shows 11:34:49
